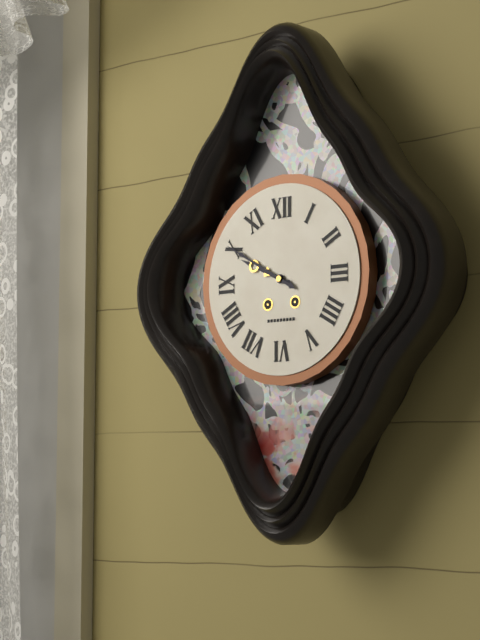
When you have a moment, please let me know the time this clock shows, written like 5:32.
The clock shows 9:50
